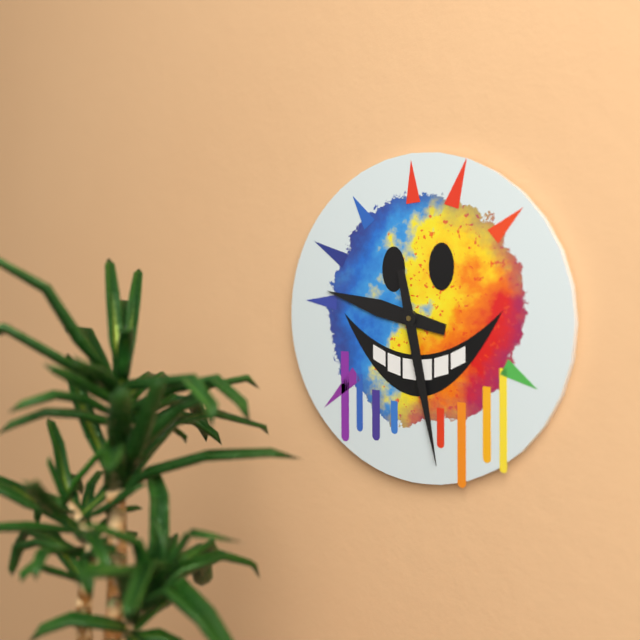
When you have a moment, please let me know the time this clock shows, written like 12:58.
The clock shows 9:28
